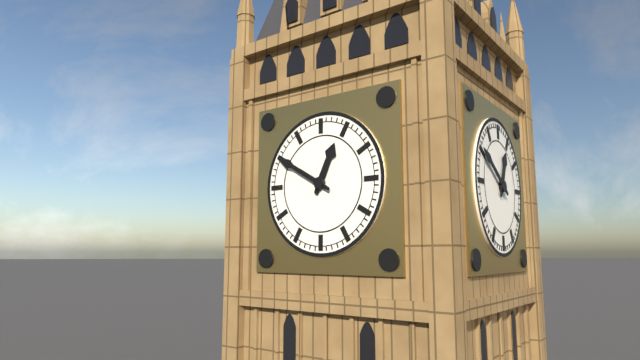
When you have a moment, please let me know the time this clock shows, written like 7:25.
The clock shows 12:50
